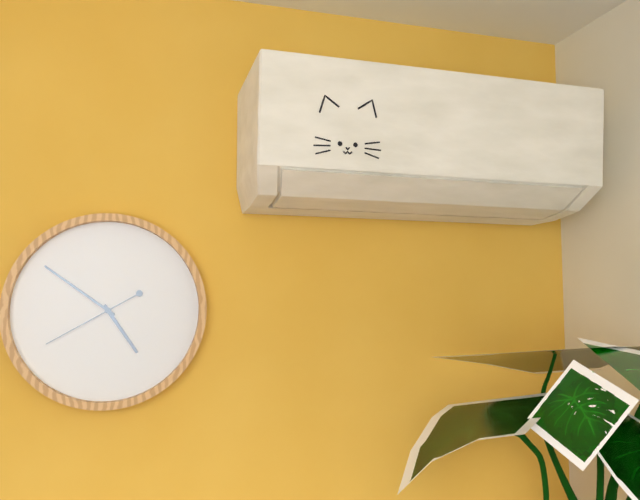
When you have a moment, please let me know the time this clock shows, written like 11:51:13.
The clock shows 4:51:40
